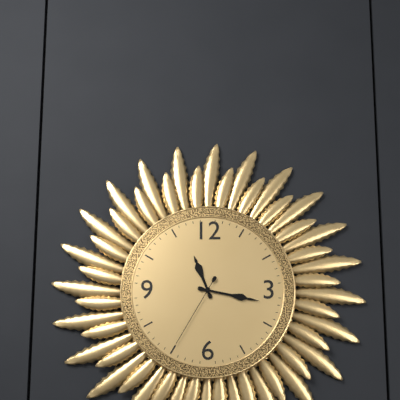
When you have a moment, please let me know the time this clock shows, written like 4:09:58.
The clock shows 11:17:35
